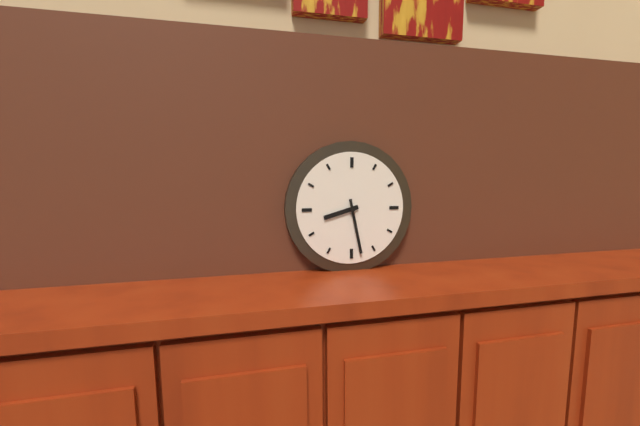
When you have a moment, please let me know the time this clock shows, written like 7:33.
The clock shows 8:28
